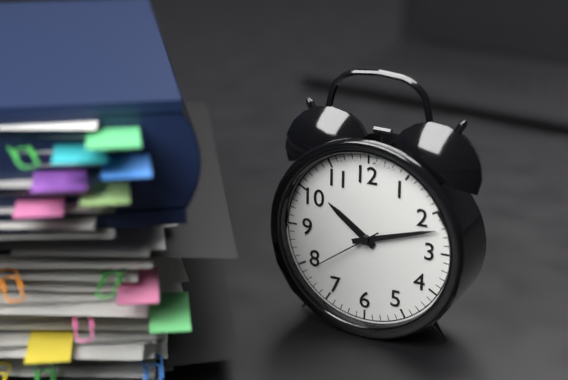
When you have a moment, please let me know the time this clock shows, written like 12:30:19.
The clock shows 10:12:39
